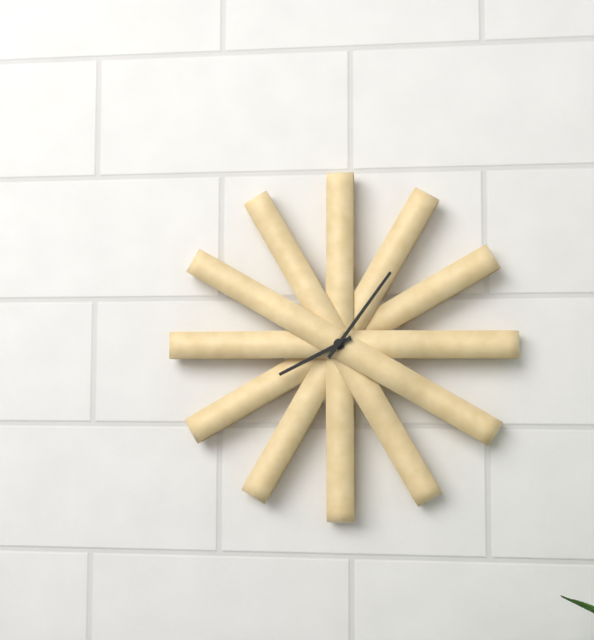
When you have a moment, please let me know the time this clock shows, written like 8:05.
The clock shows 8:06
